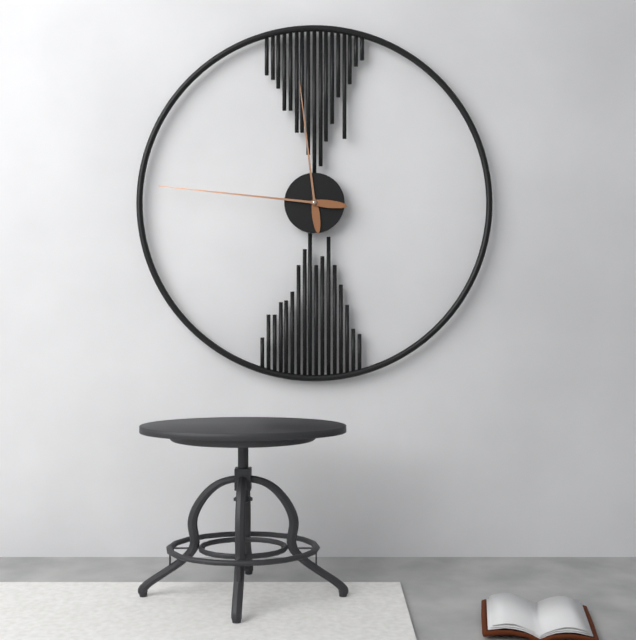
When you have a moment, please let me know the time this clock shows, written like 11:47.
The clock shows 11:46
